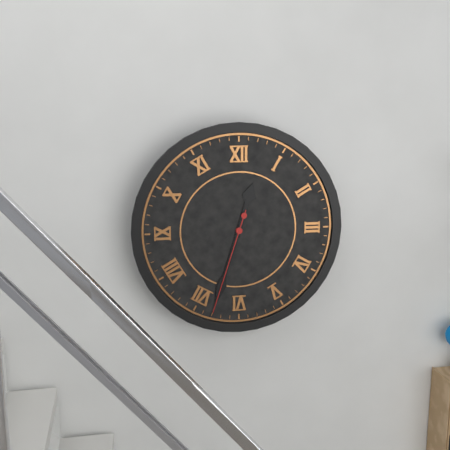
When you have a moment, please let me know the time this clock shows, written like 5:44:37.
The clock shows 12:33:33
